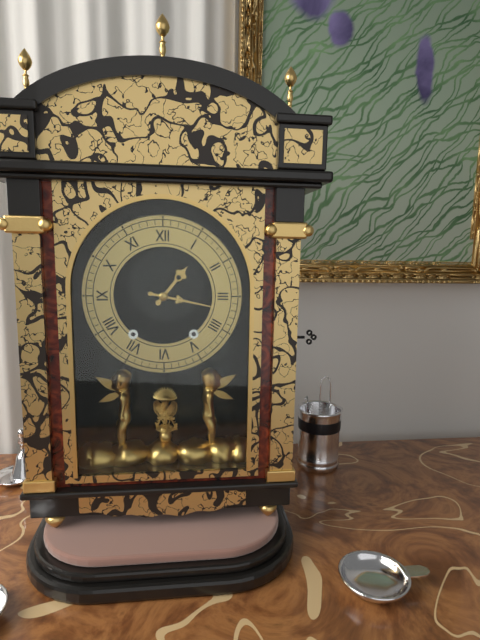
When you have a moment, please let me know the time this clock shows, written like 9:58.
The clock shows 1:17
